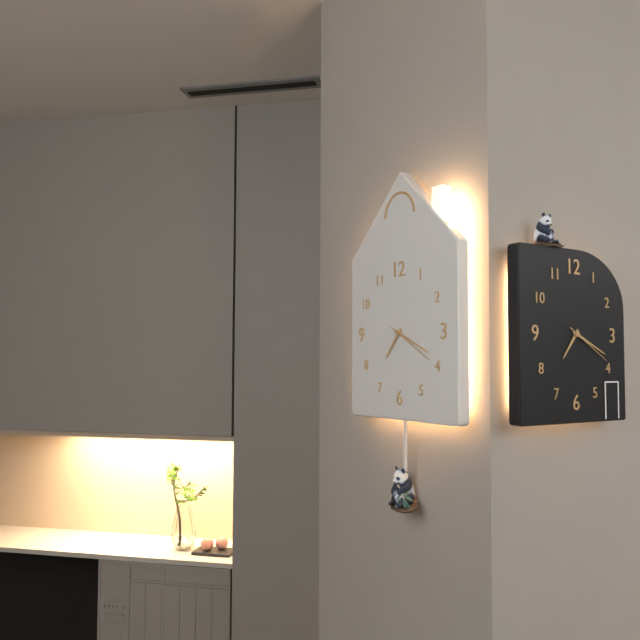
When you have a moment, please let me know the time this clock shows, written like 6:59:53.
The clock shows 7:19:20
